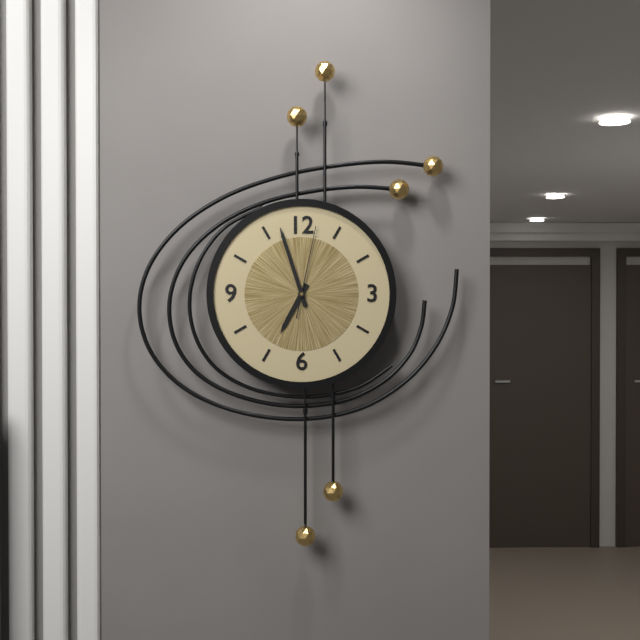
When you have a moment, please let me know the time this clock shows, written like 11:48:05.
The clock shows 6:57:02
